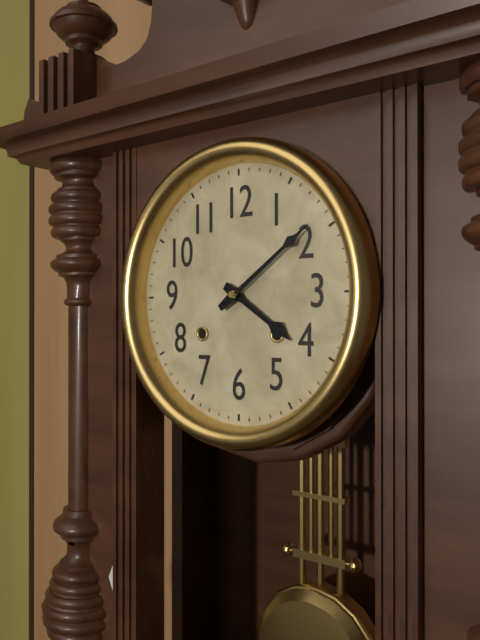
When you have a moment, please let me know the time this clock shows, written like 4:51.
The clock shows 4:09
